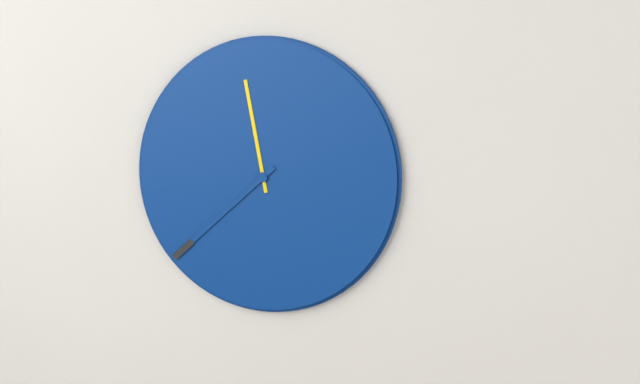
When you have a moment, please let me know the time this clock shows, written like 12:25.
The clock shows 11:38
